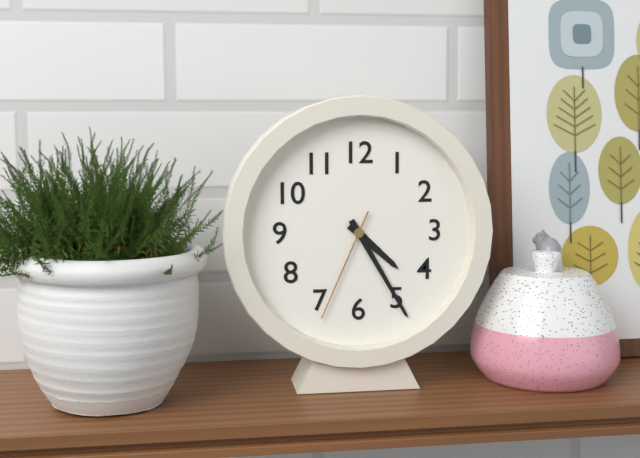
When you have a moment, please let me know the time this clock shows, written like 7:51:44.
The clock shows 4:25:34
